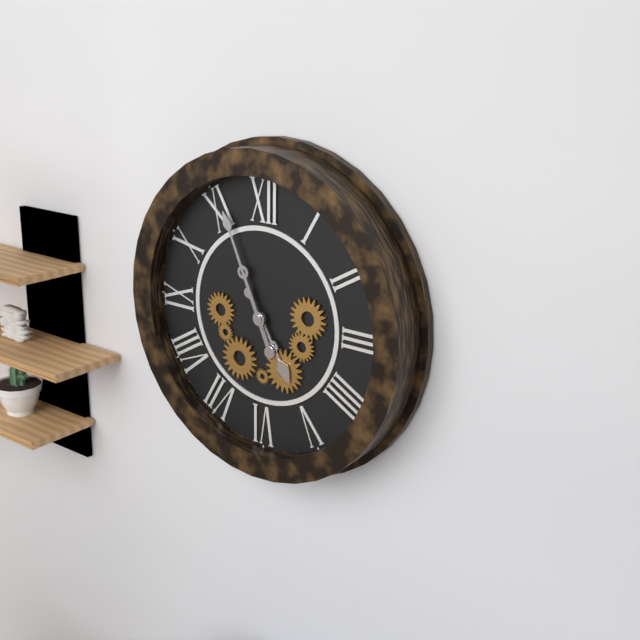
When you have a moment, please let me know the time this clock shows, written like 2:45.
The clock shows 4:56
